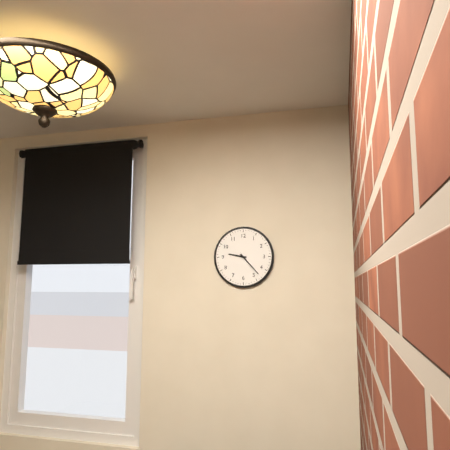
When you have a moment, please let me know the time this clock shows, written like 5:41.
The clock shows 9:23
